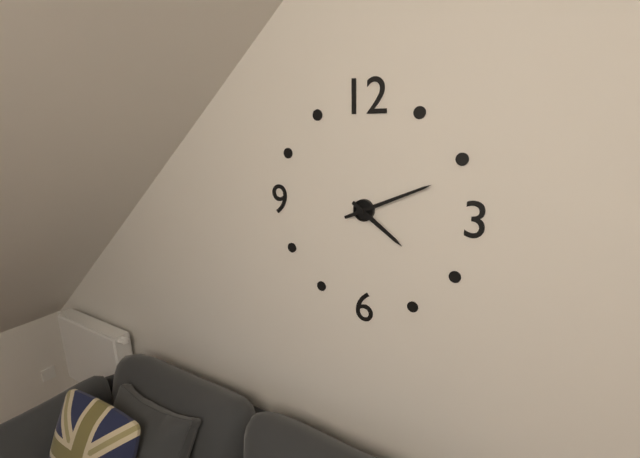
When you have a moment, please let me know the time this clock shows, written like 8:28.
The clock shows 4:11
